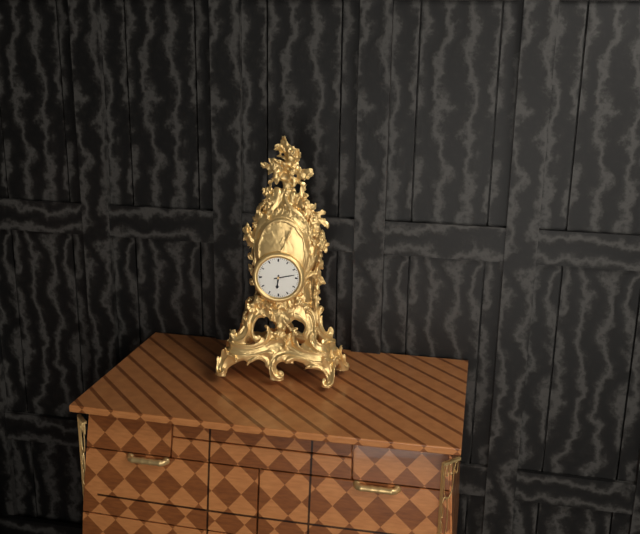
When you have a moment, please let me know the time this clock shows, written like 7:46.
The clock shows 6:13
